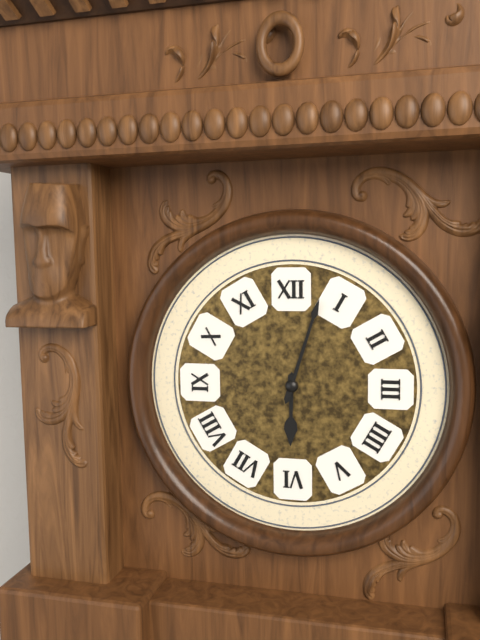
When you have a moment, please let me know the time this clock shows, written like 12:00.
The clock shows 6:03
